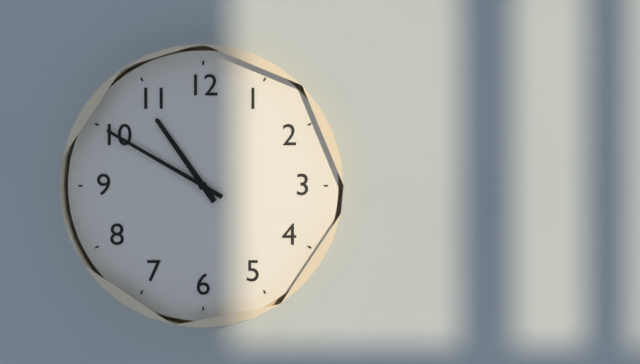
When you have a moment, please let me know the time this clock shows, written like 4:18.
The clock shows 10:50
